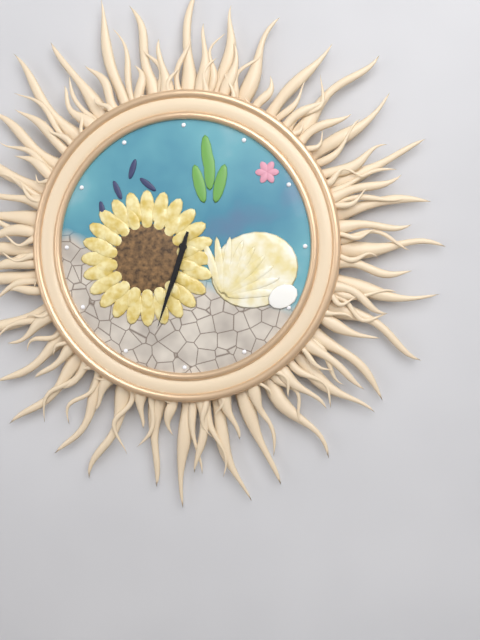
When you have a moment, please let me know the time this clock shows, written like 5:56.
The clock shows 6:33
